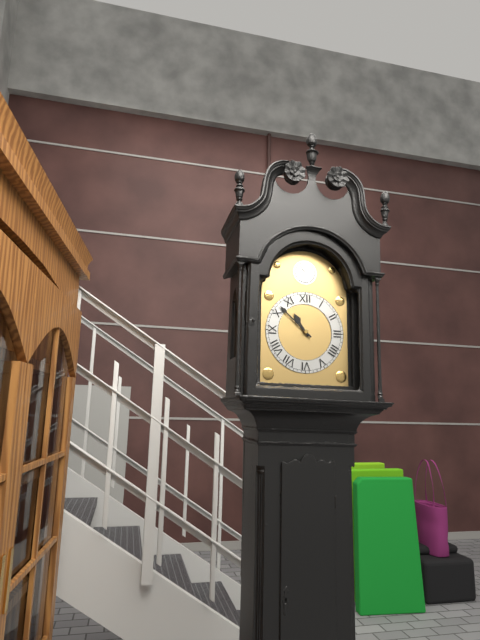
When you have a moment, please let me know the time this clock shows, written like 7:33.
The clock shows 10:52
